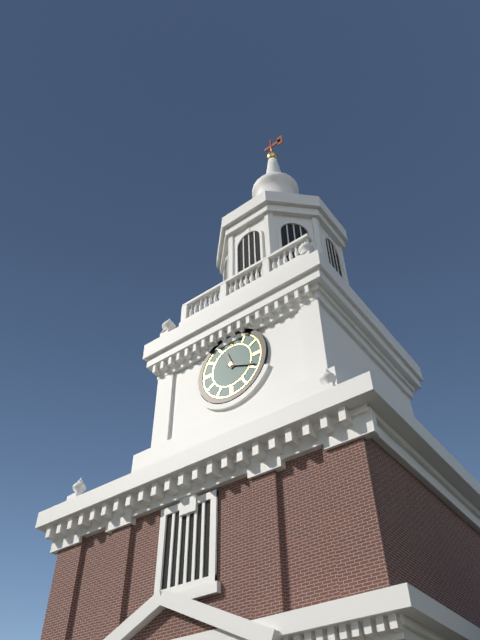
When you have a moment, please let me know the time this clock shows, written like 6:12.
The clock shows 11:19
